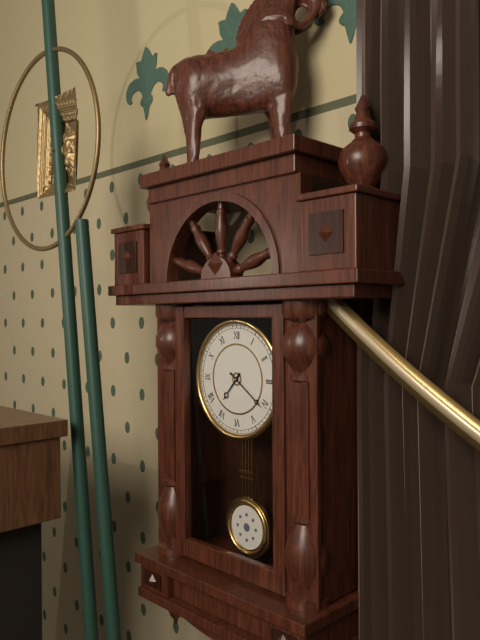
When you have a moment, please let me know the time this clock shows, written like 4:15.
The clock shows 7:21
